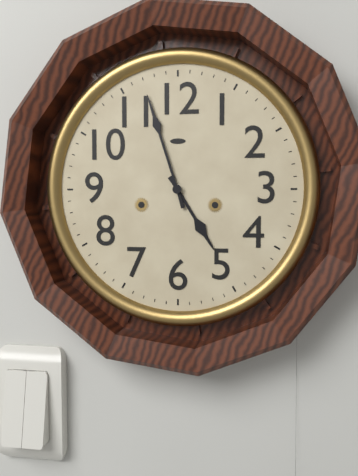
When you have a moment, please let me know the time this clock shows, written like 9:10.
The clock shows 4:57
